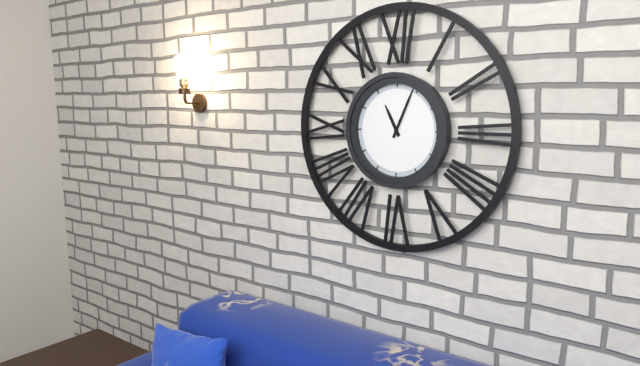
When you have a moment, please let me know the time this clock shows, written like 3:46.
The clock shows 11:04
